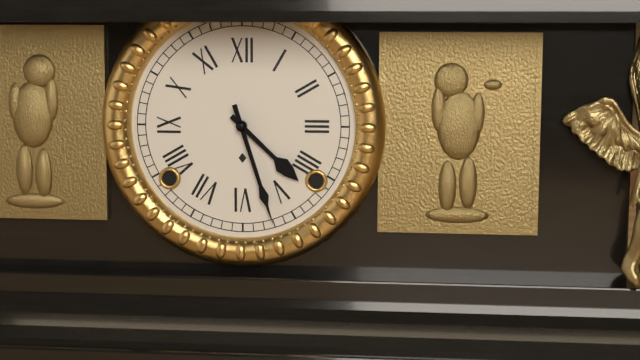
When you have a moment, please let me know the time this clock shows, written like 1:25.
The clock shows 4:27
